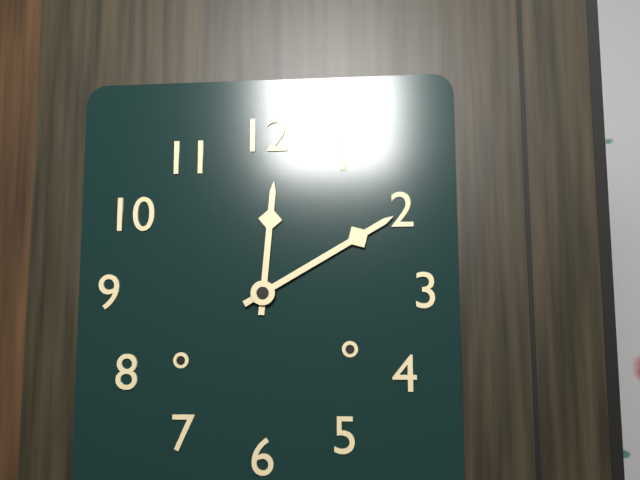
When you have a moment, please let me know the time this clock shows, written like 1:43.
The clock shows 12:10
